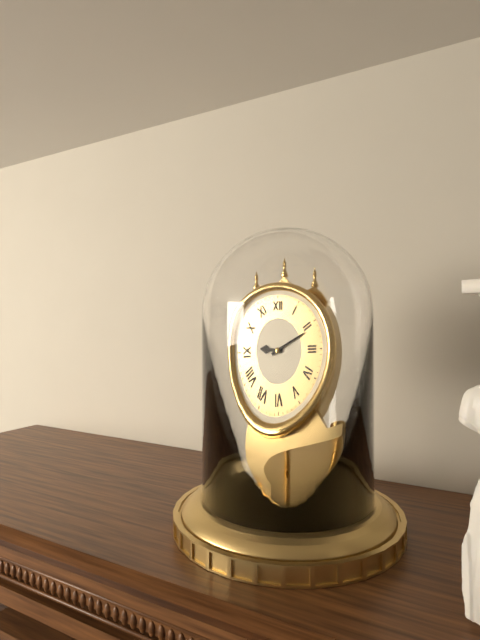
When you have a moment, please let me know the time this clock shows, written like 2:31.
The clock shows 9:11
